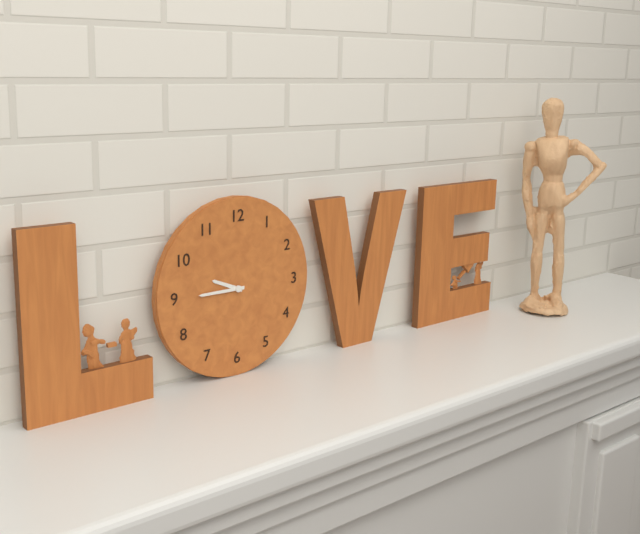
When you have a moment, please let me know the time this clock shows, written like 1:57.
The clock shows 9:45
